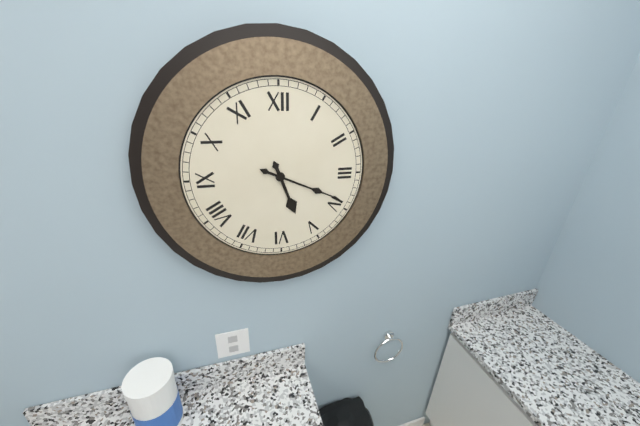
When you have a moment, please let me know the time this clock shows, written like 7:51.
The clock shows 5:19
